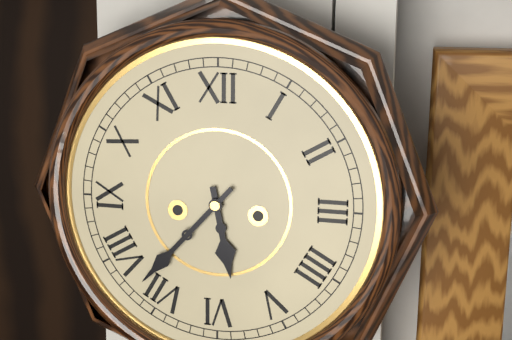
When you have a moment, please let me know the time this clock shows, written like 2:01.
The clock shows 5:37
